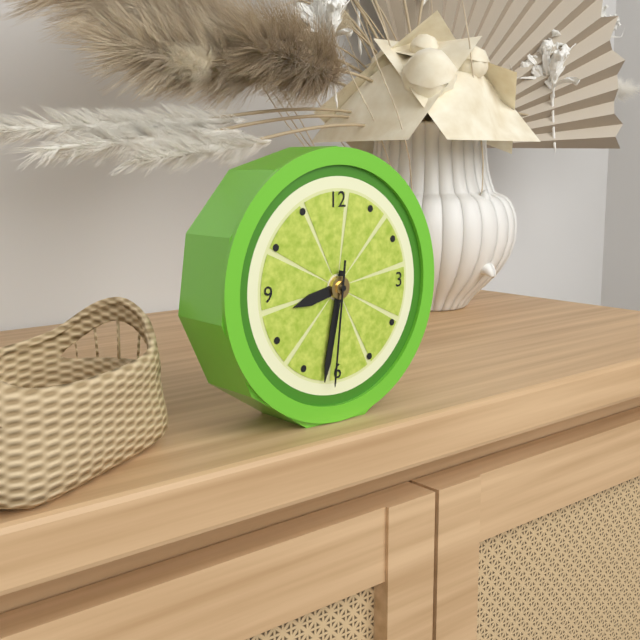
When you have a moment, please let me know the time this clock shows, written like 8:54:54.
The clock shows 8:32:31
